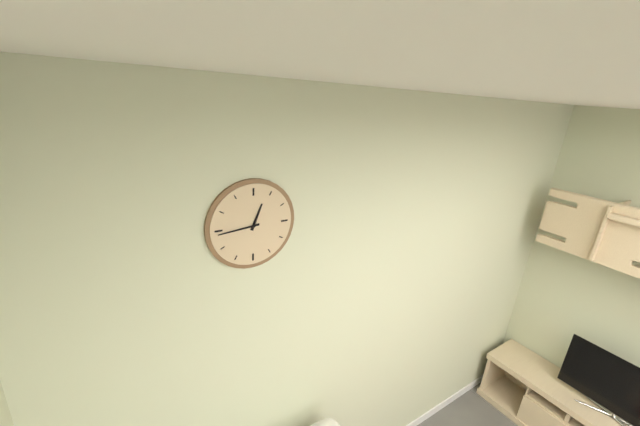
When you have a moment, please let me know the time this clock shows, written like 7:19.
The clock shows 12:44
